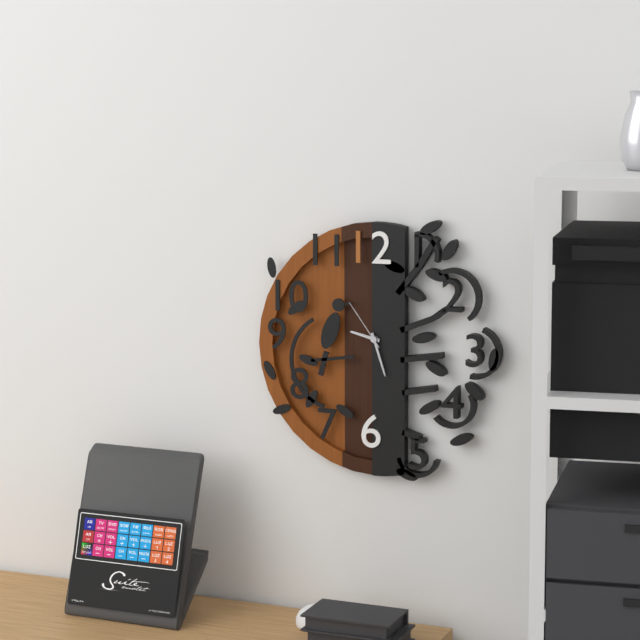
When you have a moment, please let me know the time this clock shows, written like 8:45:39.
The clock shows 9:27:54
